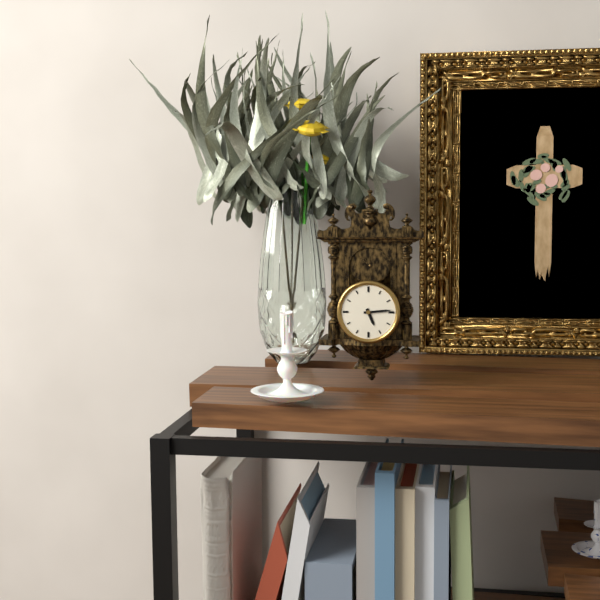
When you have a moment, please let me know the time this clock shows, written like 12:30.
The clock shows 5:14
